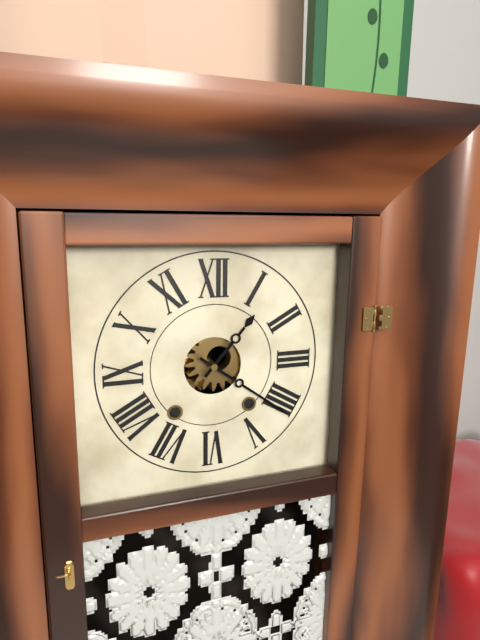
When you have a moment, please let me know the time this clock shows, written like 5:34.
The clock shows 1:21
